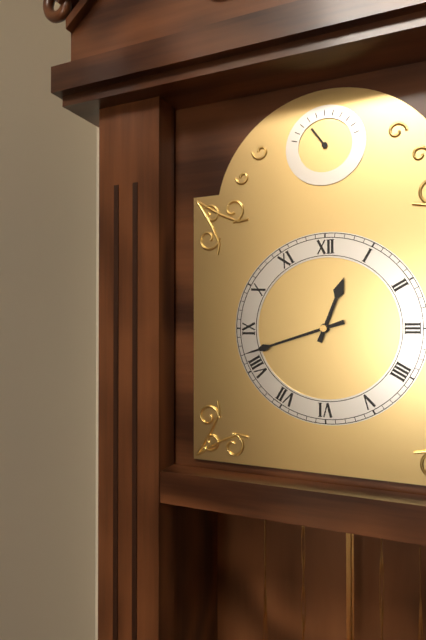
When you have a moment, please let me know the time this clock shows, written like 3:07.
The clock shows 12:42
